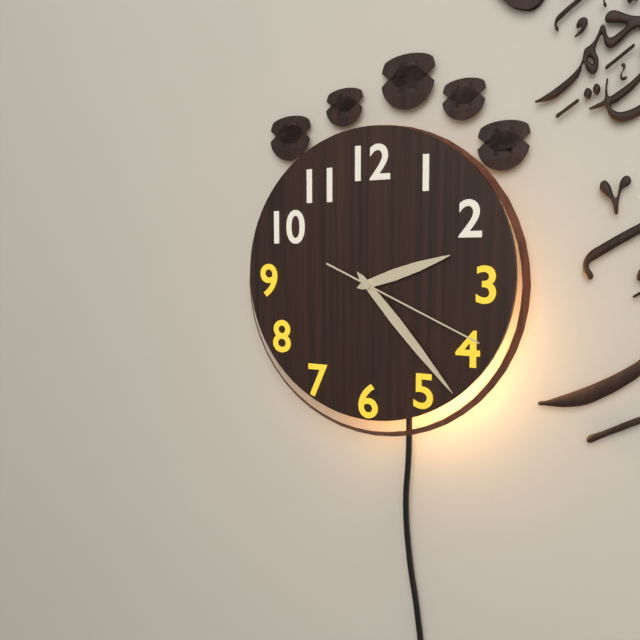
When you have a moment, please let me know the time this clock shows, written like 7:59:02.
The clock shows 2:23:19
